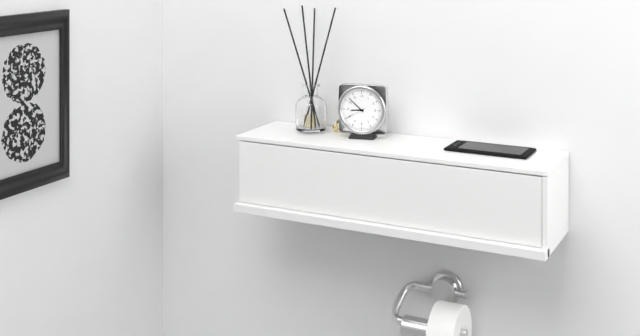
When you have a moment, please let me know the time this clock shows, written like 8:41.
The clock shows 8:52
